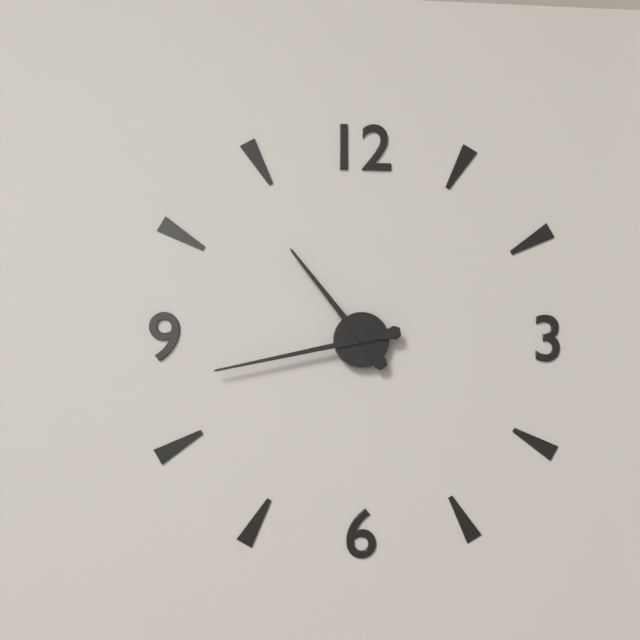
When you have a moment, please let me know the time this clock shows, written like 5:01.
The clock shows 10:43
